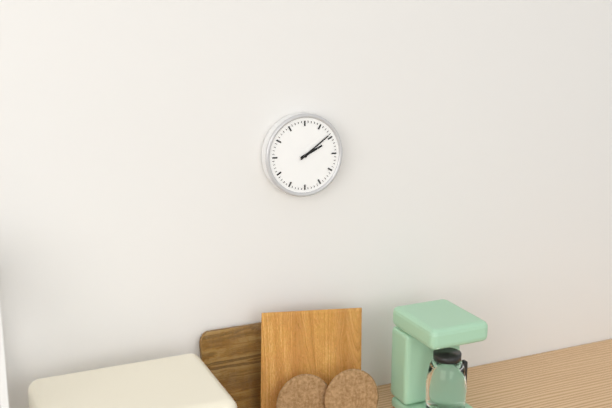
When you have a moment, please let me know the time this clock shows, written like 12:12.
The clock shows 2:09
